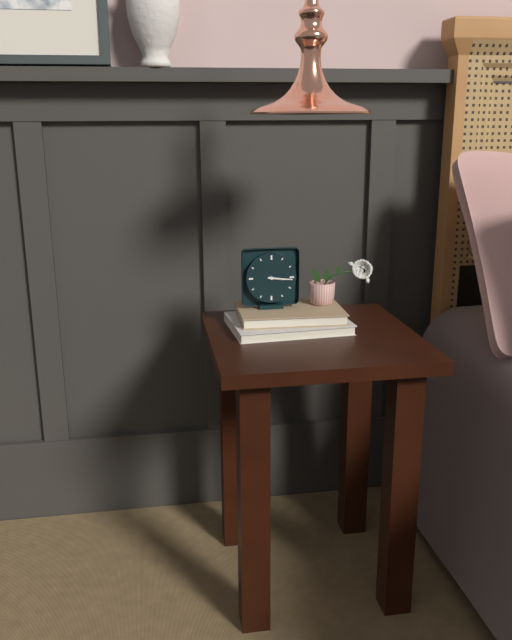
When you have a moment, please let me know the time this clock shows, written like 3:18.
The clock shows 3:16
